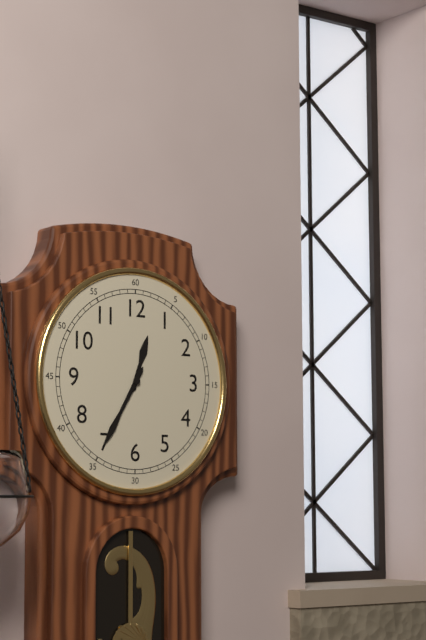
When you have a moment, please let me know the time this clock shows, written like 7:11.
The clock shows 12:35
